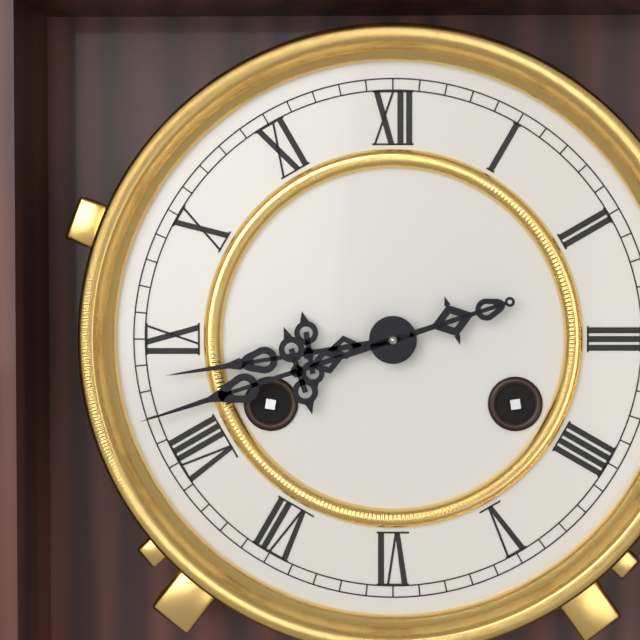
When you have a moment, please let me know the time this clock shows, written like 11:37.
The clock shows 8:42
